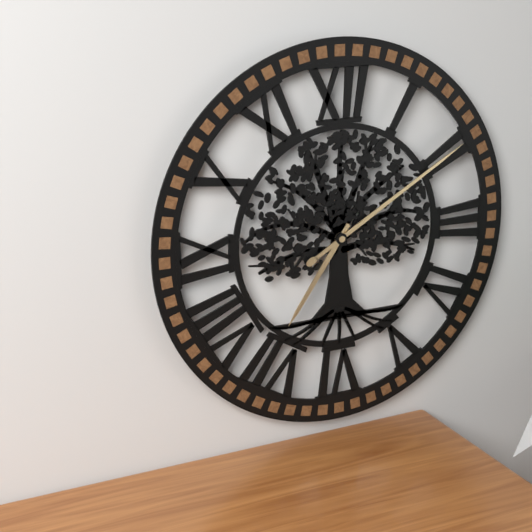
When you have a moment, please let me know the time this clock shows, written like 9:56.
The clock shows 7:10
